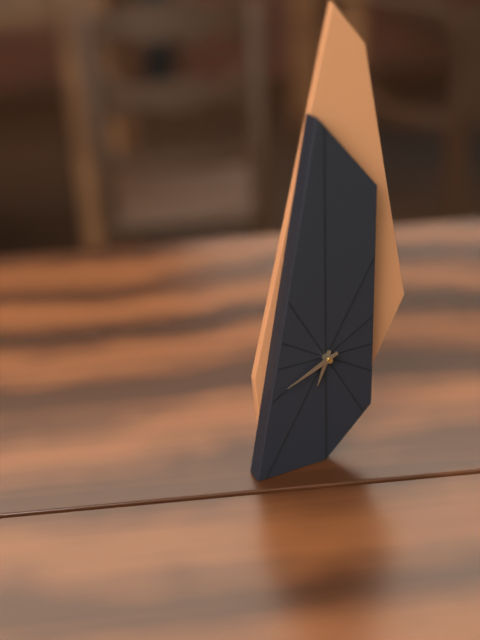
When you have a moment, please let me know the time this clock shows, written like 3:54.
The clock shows 6:41
